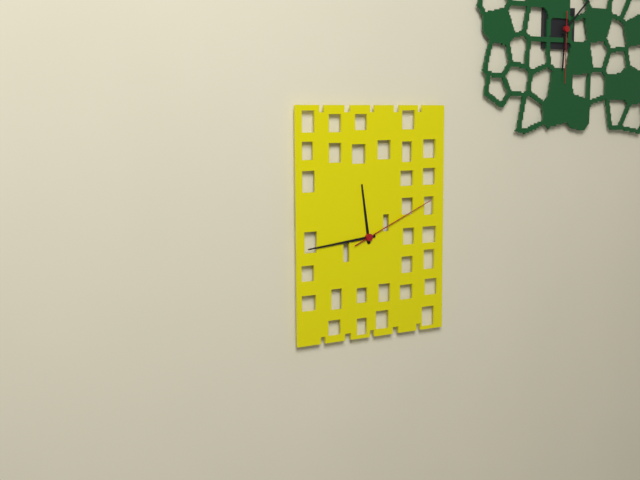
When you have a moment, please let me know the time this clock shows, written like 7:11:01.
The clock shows 11:44:11
